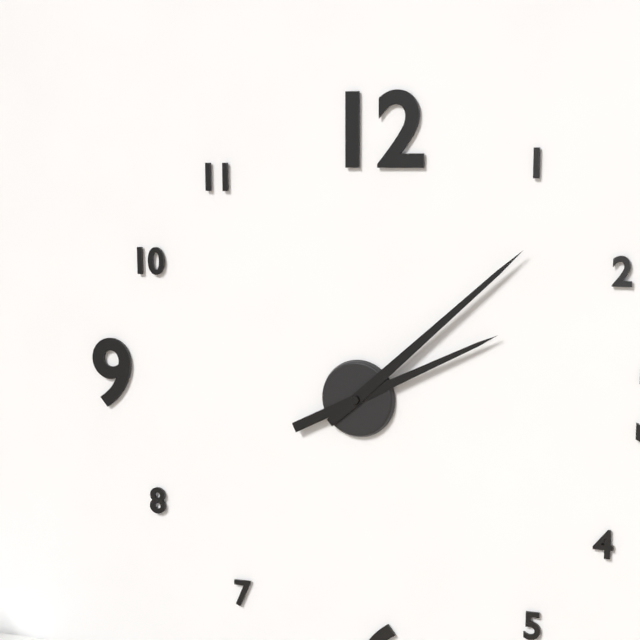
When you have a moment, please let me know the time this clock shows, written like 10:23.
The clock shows 2:08
